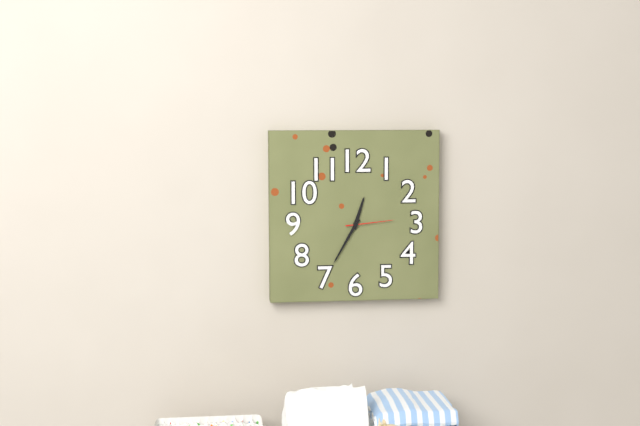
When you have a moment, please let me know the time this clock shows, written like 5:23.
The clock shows 12:35
